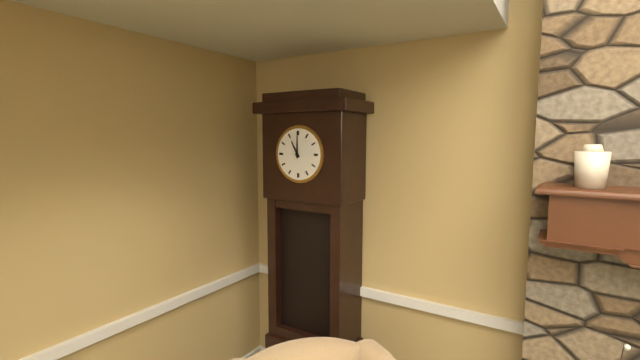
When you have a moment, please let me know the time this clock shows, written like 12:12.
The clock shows 11:00
